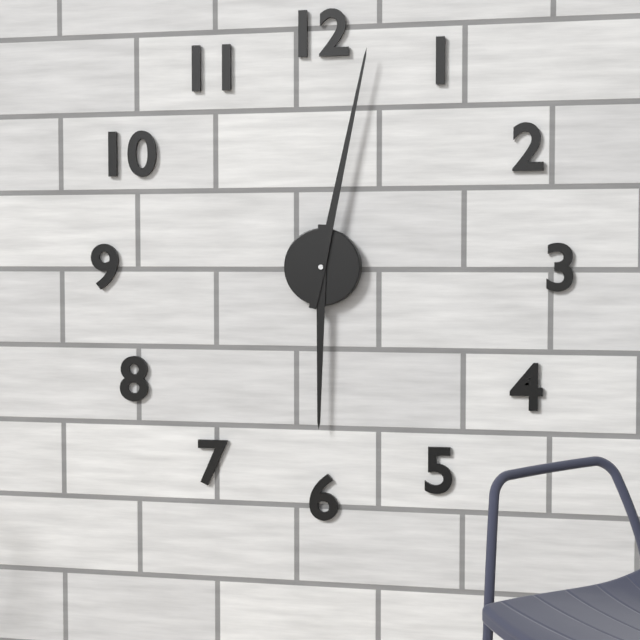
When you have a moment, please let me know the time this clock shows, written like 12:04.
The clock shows 6:02
